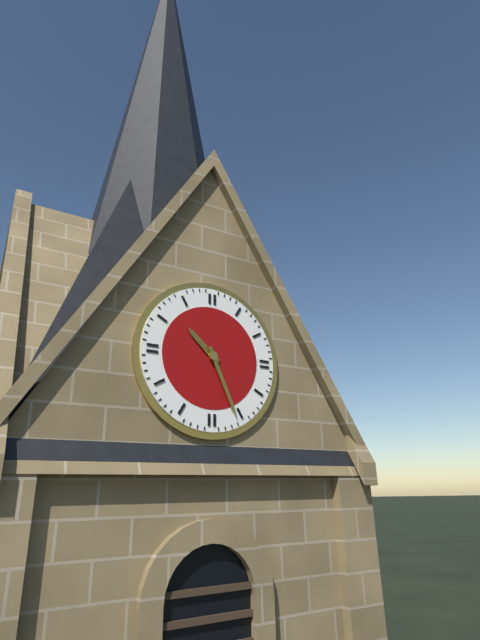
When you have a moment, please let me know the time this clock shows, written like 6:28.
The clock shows 10:26
